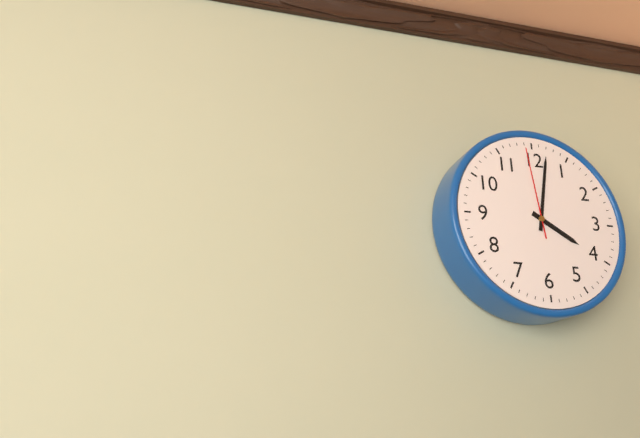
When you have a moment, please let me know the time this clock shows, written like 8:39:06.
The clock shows 4:02:59
